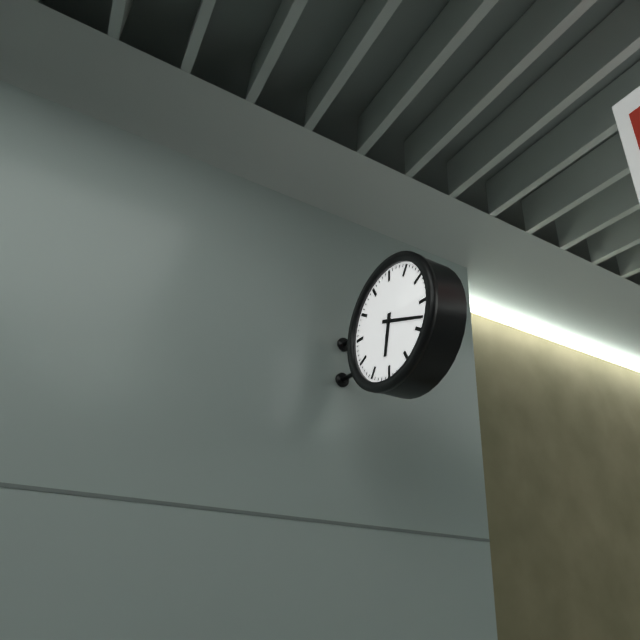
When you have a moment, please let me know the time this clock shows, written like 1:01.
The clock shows 6:18
